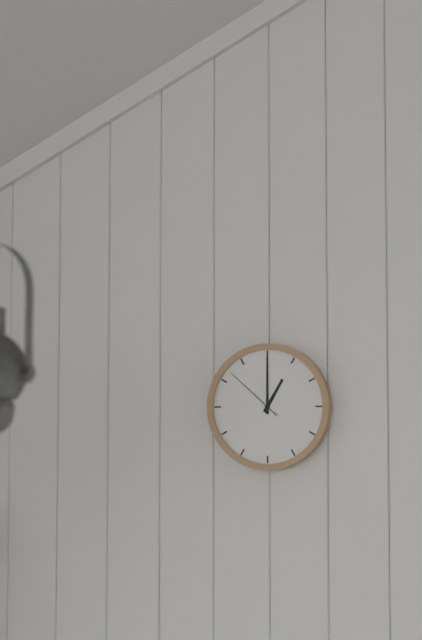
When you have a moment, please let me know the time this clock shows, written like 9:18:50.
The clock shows 1:00:52
